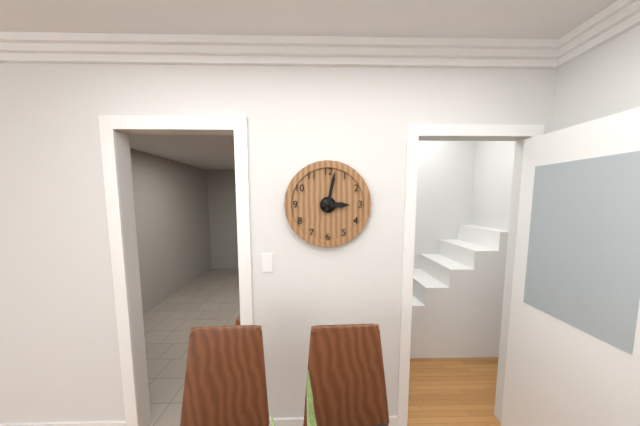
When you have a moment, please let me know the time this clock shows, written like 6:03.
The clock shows 3:02
